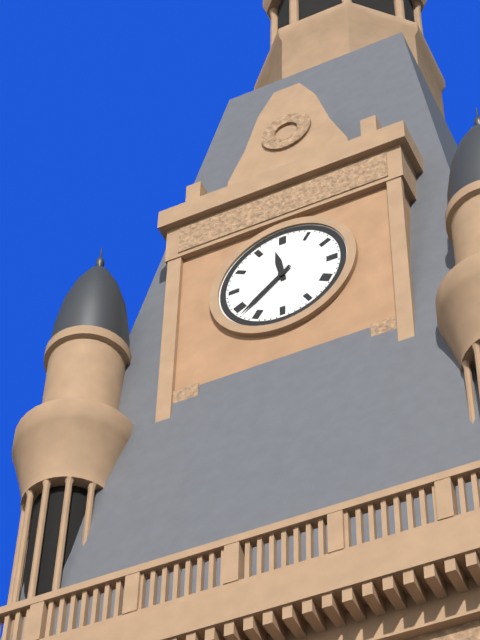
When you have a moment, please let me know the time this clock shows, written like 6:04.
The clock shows 11:38
